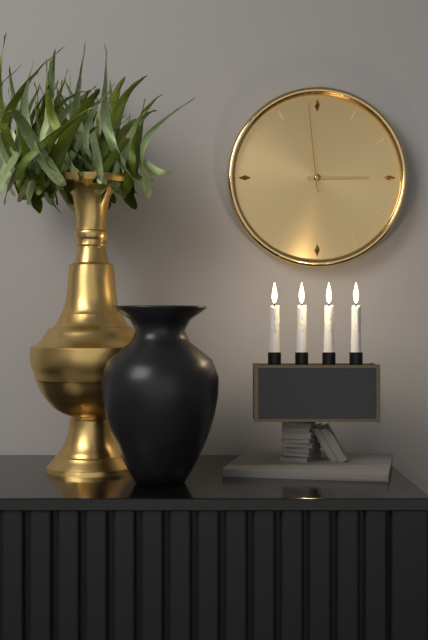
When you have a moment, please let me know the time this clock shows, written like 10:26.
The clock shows 2:59
